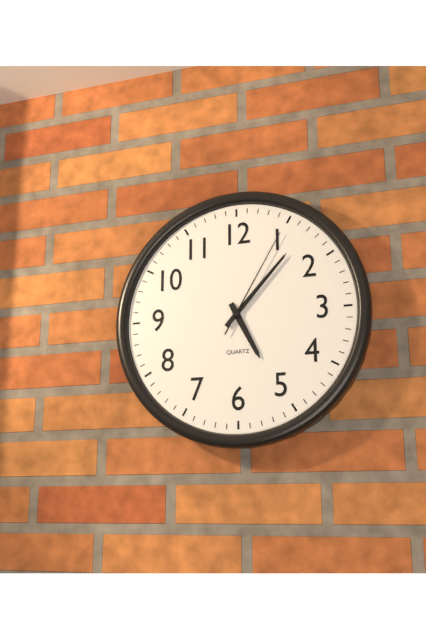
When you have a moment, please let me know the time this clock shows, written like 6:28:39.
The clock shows 5:07:05
